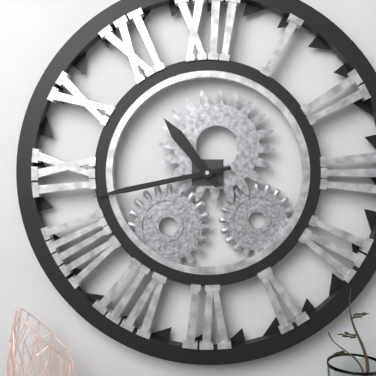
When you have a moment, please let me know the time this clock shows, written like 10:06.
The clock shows 10:43
